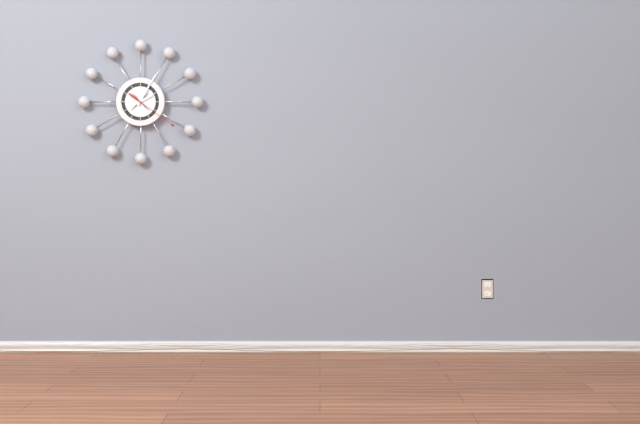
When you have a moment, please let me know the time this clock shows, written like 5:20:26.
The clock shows 2:05:21
